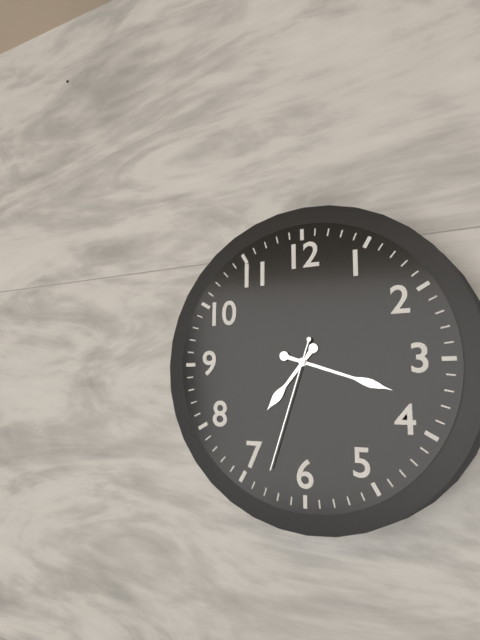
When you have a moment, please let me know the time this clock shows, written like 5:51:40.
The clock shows 7:18:33
